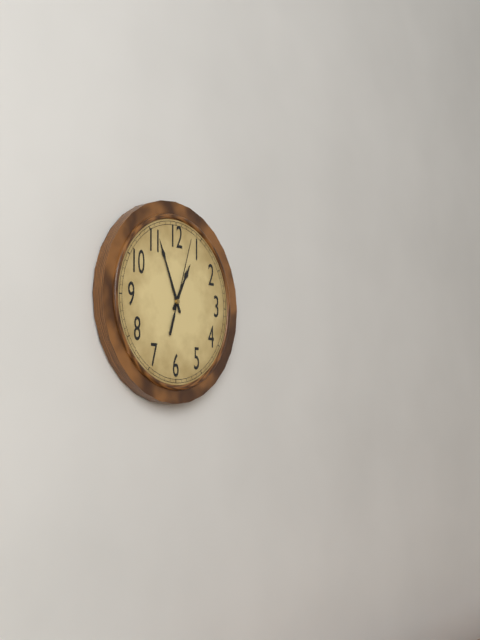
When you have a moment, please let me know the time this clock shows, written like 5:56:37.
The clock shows 12:56:03
